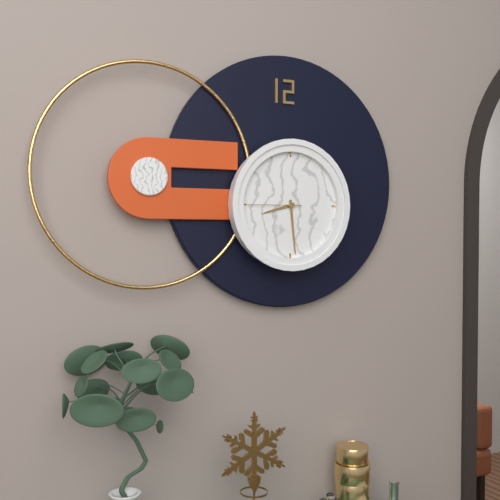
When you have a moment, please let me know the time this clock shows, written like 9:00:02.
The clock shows 8:29:45
